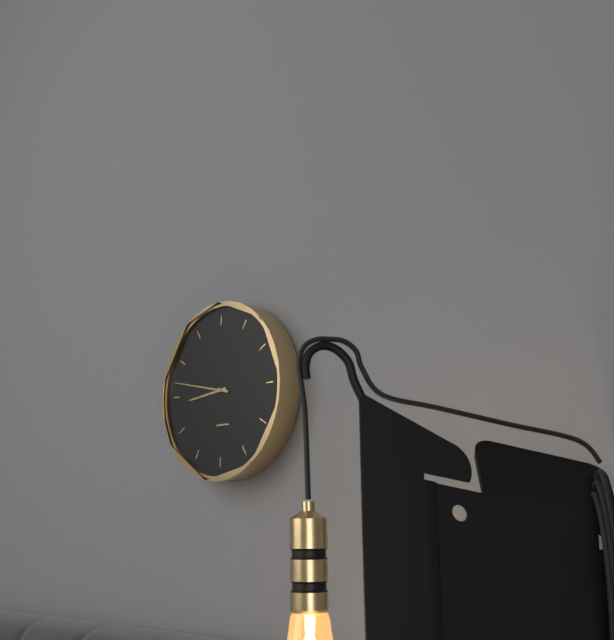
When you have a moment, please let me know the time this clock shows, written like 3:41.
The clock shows 8:47
